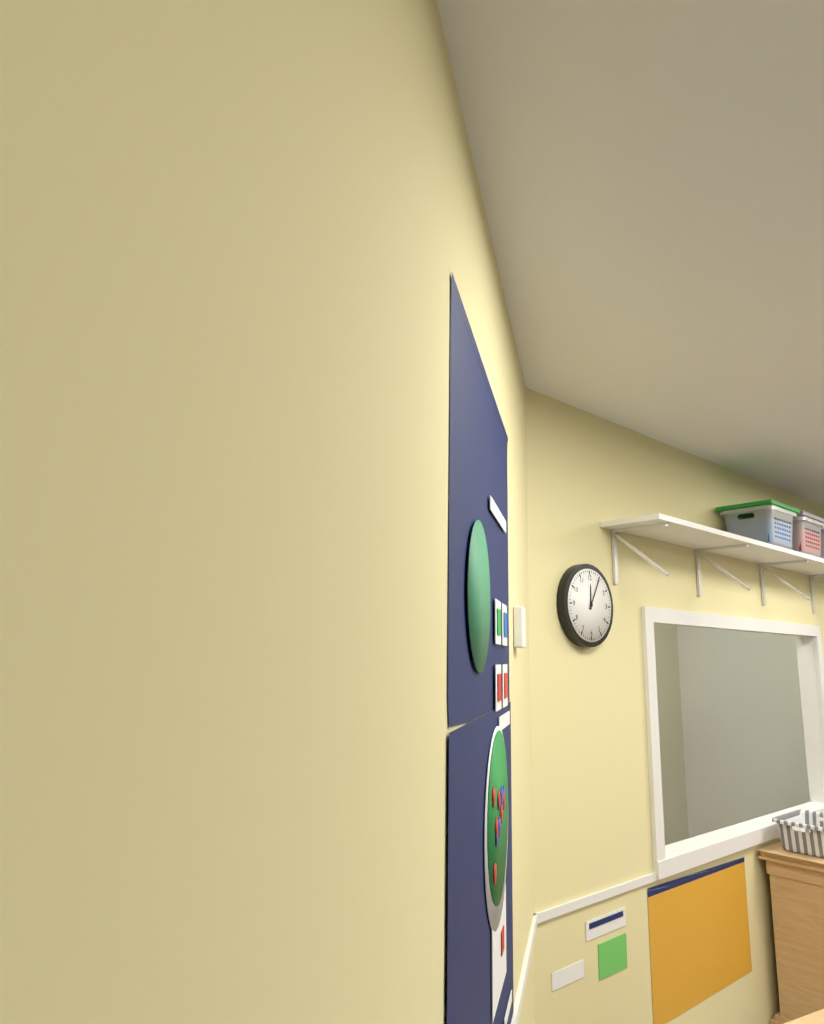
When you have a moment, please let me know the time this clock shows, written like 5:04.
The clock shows 12:05
